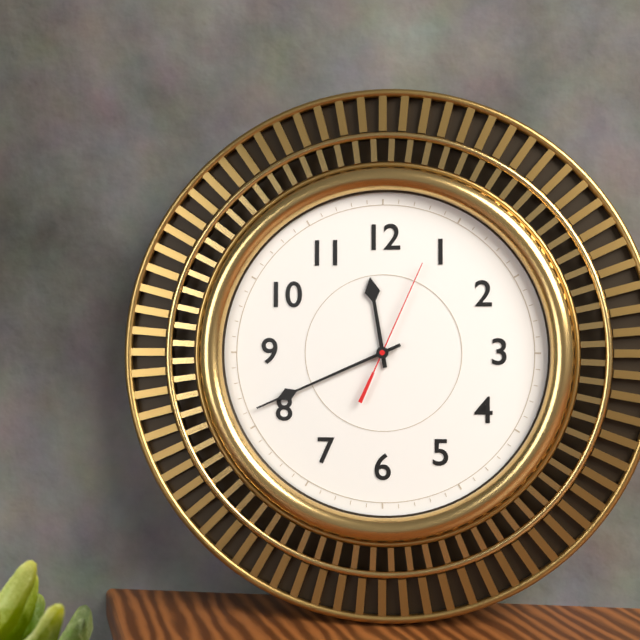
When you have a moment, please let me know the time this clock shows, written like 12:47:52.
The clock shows 11:41:04
